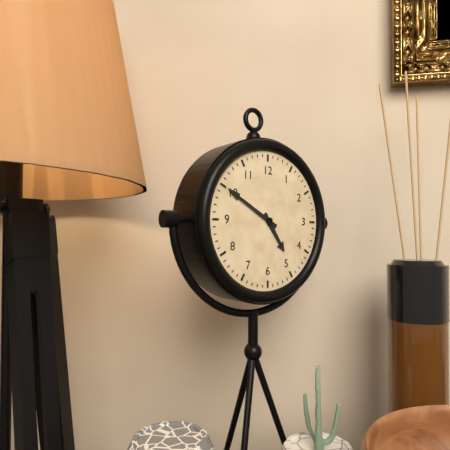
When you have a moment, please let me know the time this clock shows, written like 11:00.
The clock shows 4:50
